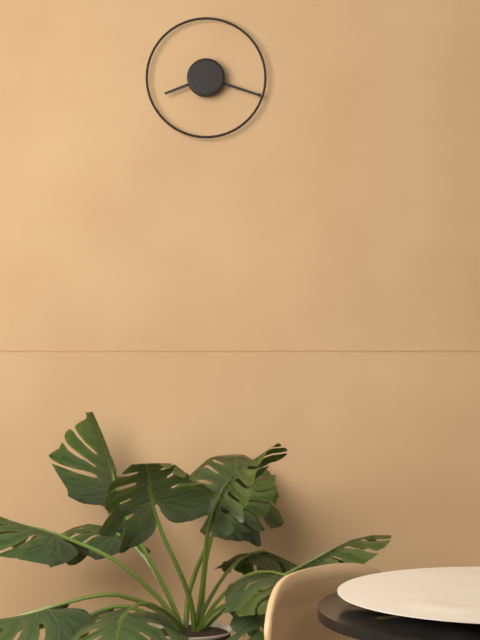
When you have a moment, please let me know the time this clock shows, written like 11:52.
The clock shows 8:18
